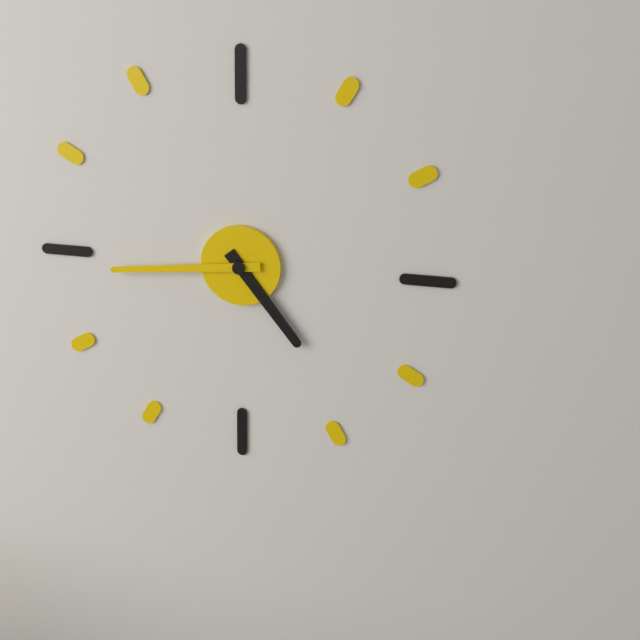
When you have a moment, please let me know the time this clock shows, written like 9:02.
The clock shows 4:44
